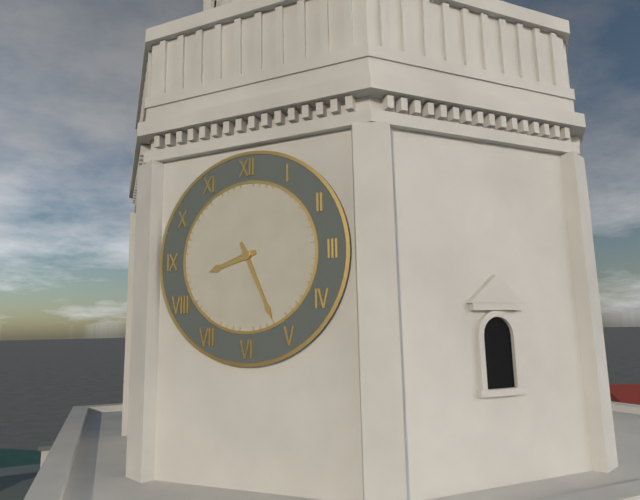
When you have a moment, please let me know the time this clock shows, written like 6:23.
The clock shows 8:26
